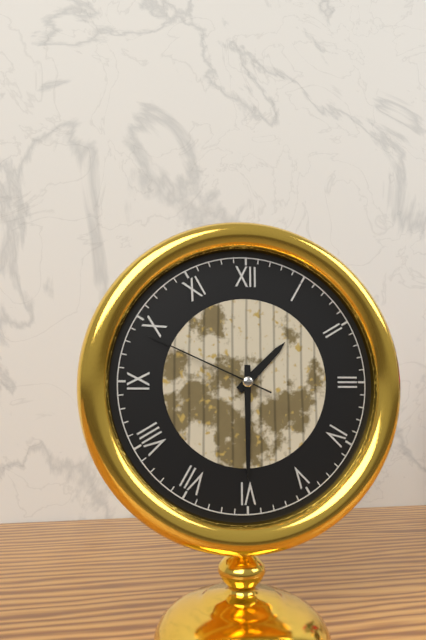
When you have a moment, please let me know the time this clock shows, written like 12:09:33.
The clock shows 1:30:49
